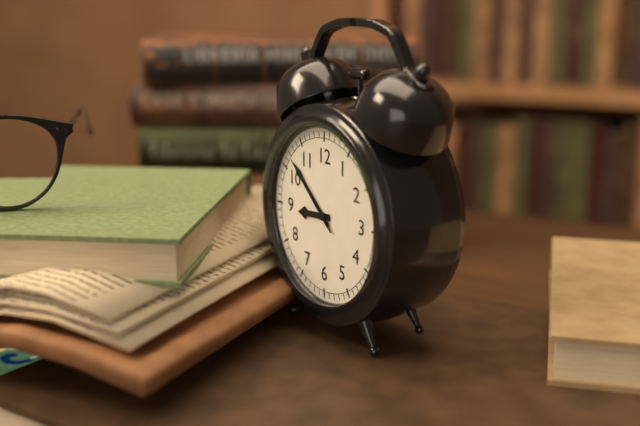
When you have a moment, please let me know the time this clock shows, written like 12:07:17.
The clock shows 8:52:52
